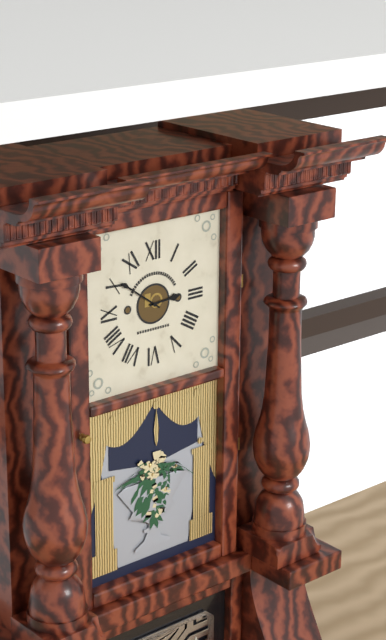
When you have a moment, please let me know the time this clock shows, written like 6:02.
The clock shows 2:51
